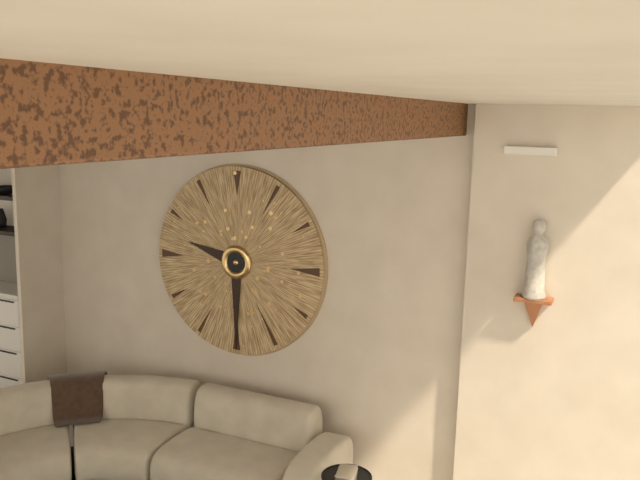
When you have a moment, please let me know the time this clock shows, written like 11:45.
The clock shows 9:30
